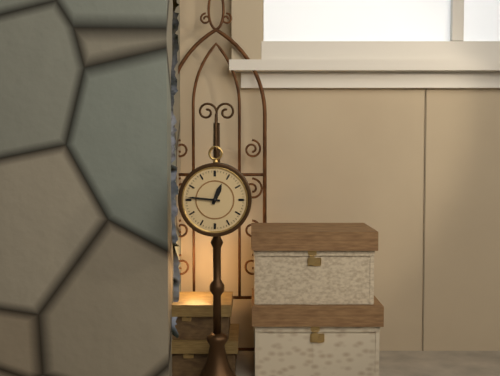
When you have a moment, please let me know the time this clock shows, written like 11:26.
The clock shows 12:46
